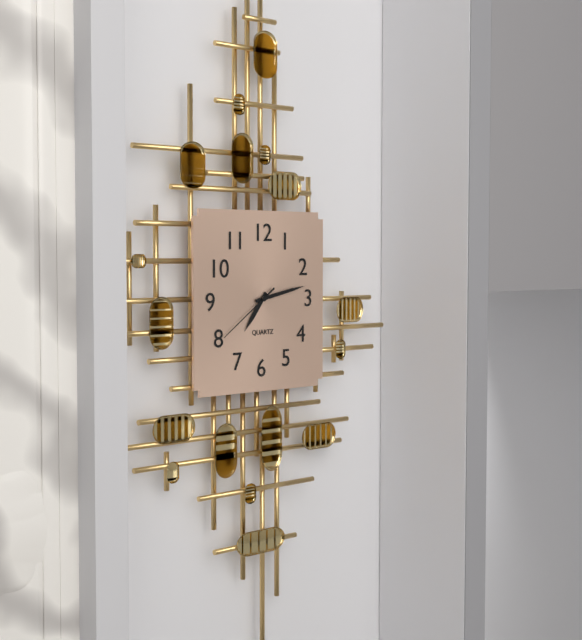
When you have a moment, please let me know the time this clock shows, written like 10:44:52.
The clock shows 7:13:39
